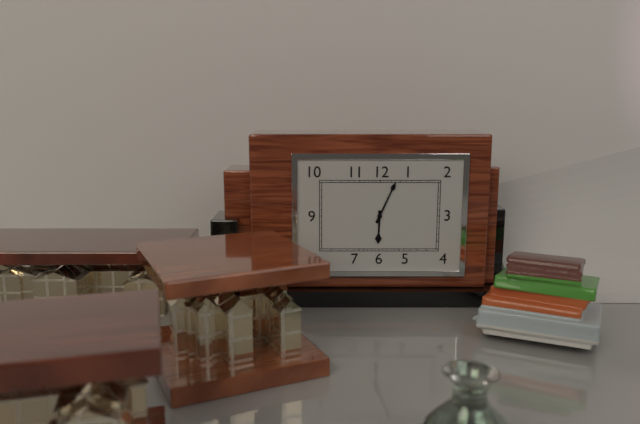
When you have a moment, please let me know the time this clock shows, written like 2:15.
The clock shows 6:04
